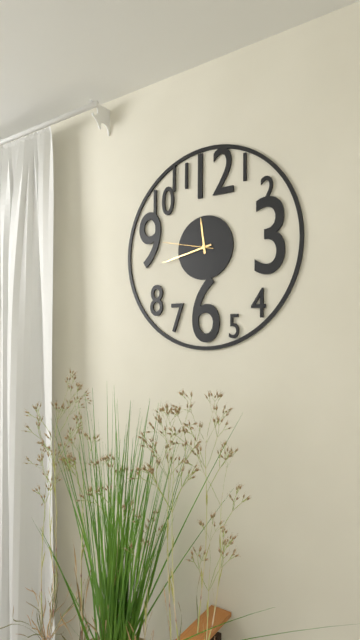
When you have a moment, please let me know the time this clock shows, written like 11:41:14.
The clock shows 11:43:47
